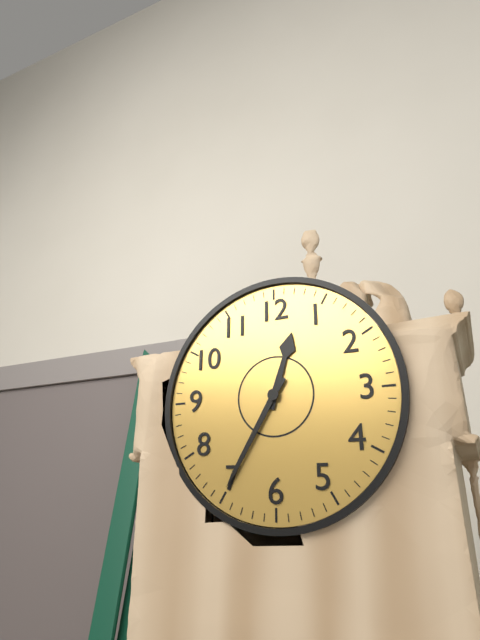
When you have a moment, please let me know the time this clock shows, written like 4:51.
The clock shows 12:35
